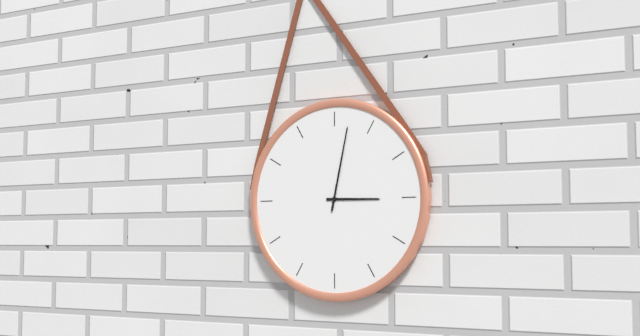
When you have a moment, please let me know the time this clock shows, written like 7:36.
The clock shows 3:02
